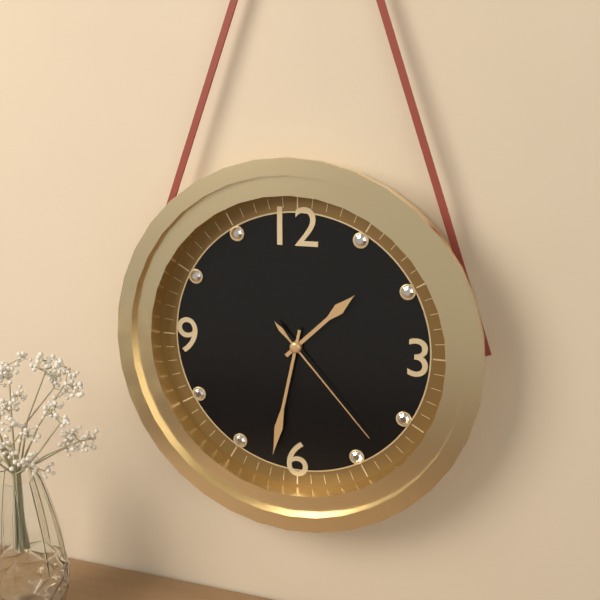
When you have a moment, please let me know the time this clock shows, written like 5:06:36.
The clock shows 1:32:23
